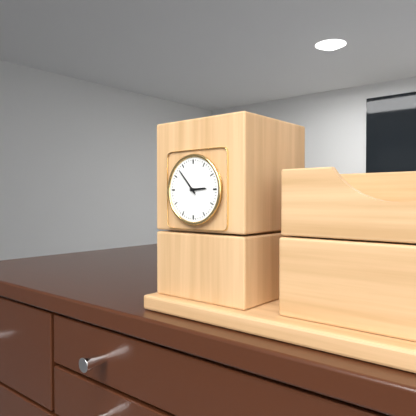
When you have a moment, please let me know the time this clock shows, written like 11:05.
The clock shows 2:53
